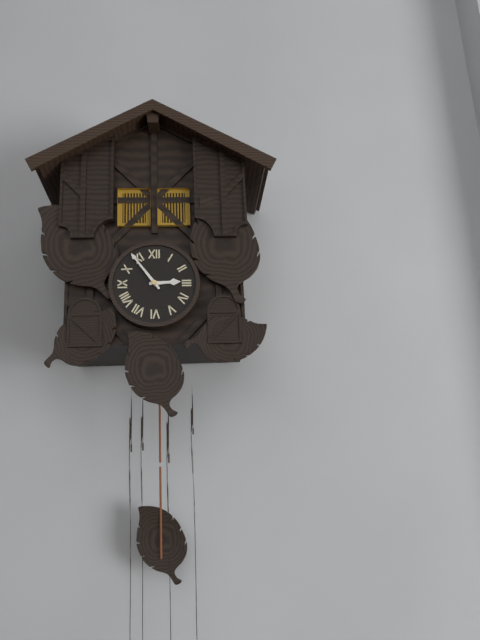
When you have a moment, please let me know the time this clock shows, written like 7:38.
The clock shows 2:54
